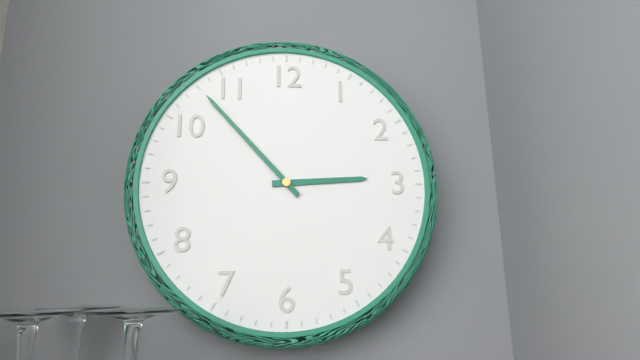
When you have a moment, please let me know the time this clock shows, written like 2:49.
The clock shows 2:53
